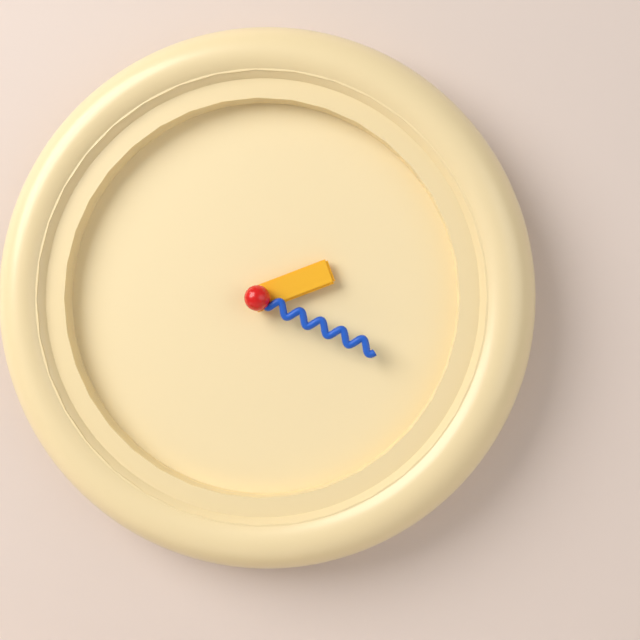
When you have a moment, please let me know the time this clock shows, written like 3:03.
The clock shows 2:19
